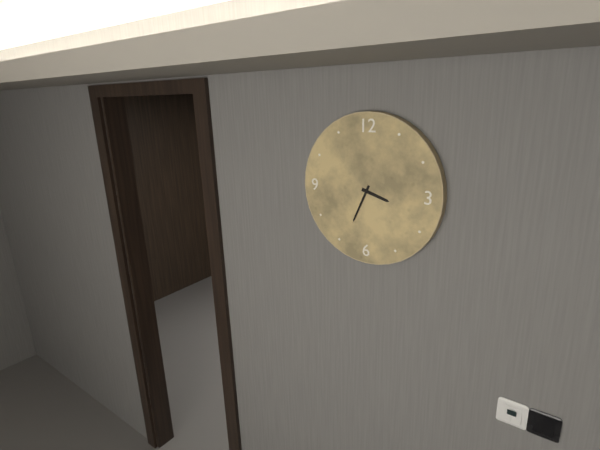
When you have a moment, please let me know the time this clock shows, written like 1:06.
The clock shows 3:34
